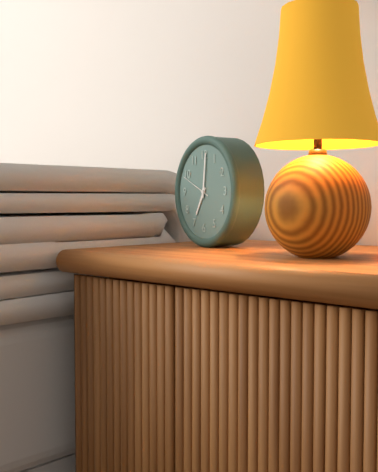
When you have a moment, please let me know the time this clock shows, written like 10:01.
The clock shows 7:01
